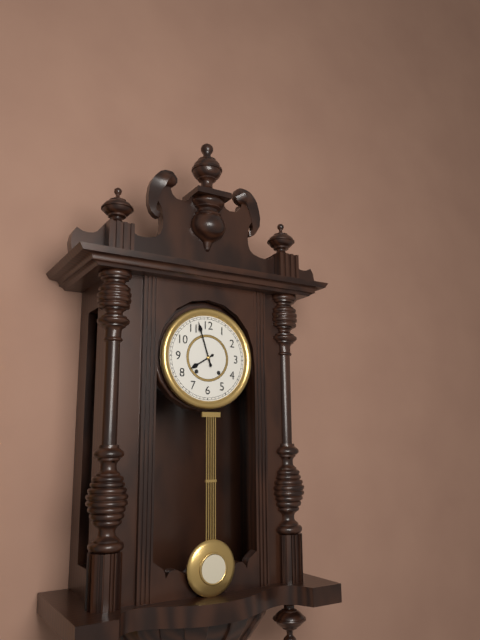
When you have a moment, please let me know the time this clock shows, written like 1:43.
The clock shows 7:57
